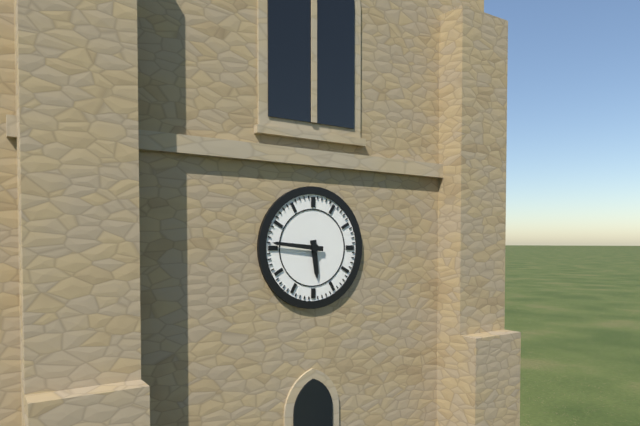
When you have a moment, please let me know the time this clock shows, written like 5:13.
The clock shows 5:46
